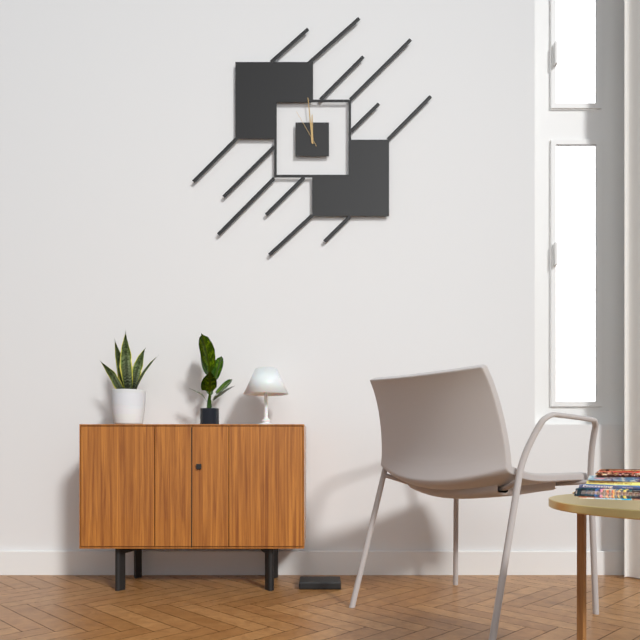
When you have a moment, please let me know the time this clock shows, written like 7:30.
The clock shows 11:59
